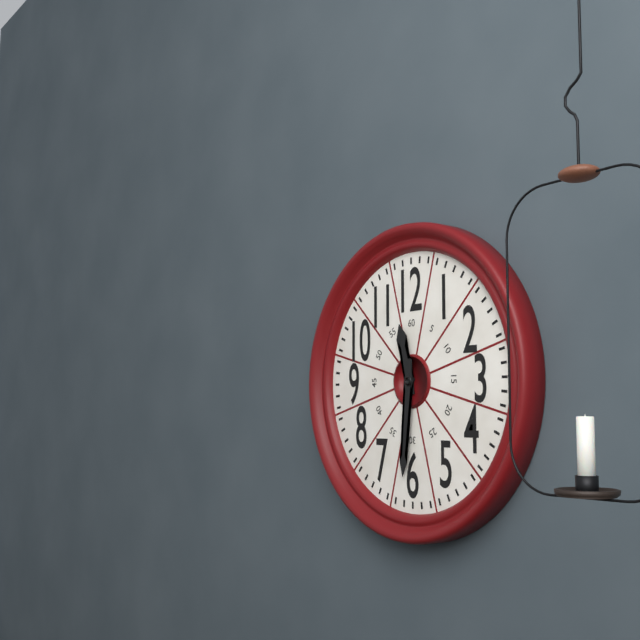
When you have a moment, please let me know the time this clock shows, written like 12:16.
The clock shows 11:31
